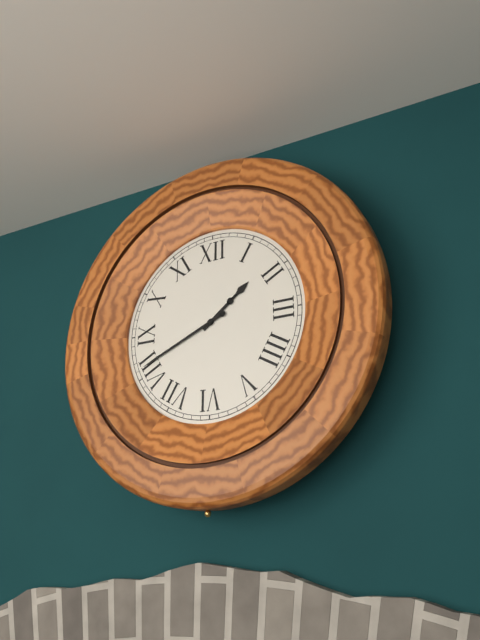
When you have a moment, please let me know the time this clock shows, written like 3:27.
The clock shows 1:41
